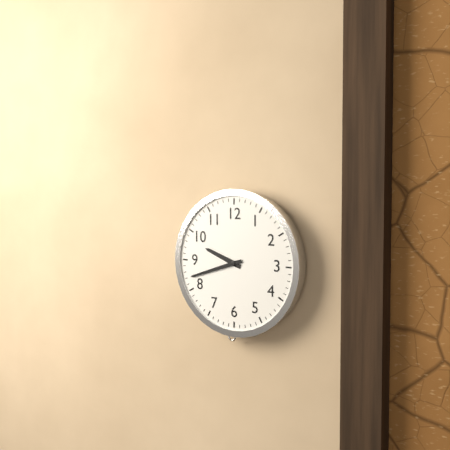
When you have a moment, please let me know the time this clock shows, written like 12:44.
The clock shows 9:42
